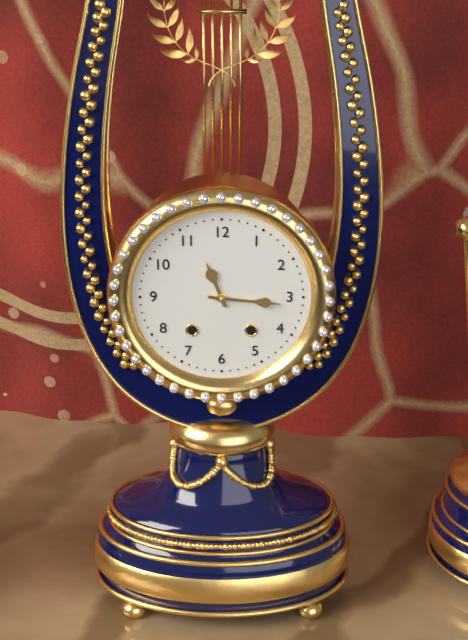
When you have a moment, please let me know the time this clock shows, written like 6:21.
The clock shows 11:16
